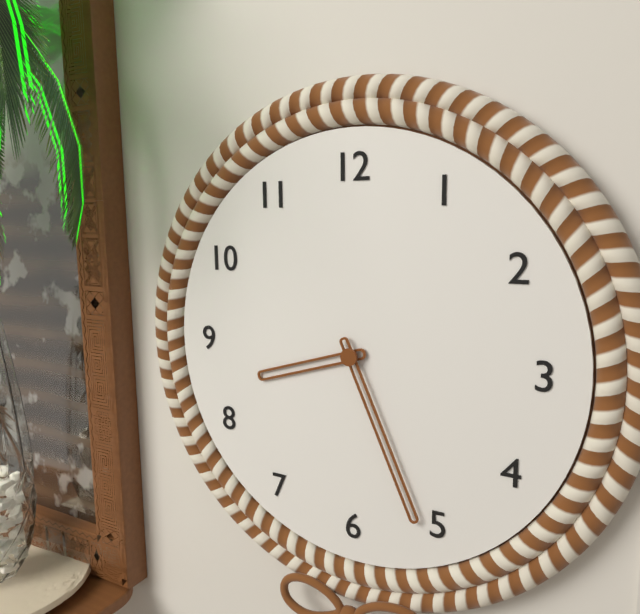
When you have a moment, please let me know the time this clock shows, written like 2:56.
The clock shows 8:26
